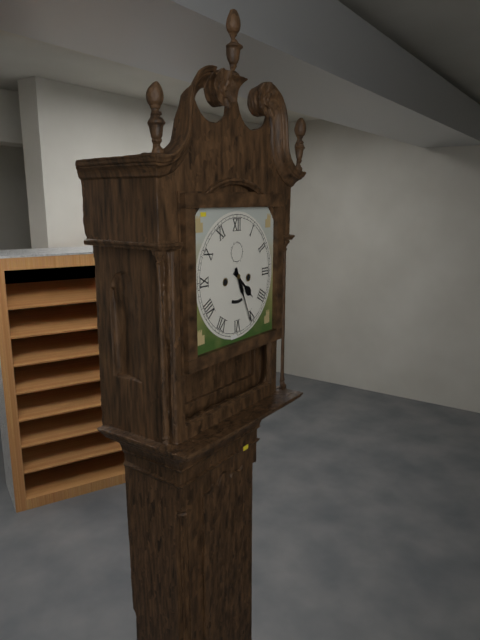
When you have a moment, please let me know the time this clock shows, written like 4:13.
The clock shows 4:26
